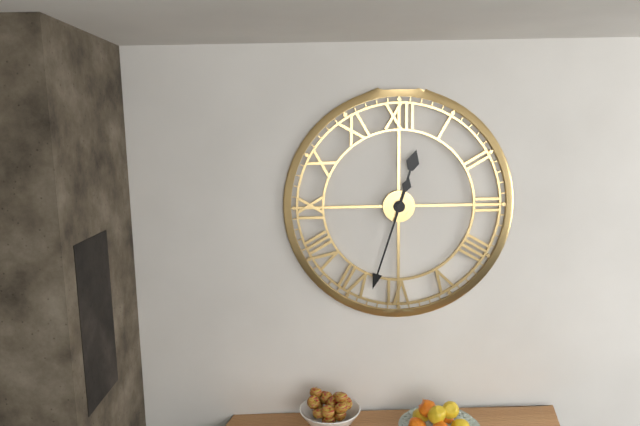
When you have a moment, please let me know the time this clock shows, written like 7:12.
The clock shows 12:33
